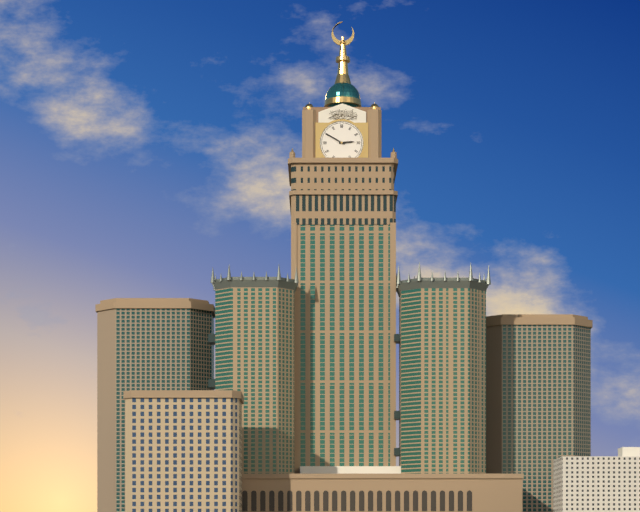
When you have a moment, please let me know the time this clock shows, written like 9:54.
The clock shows 2:50
